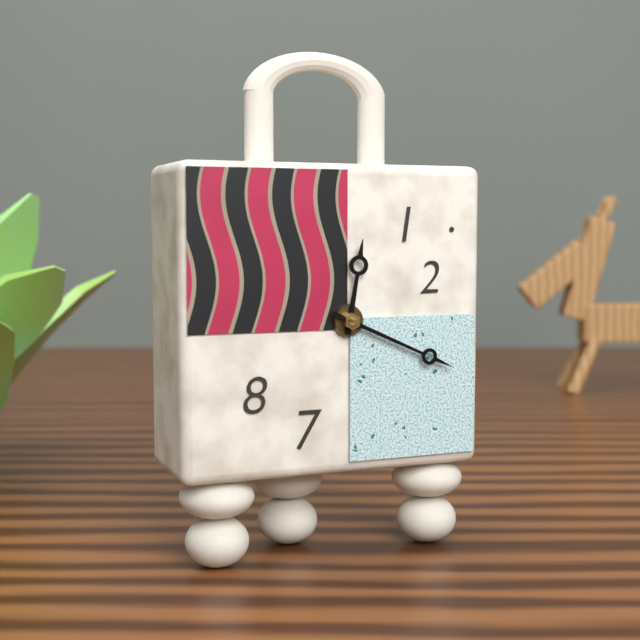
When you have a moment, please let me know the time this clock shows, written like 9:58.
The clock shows 12:19
